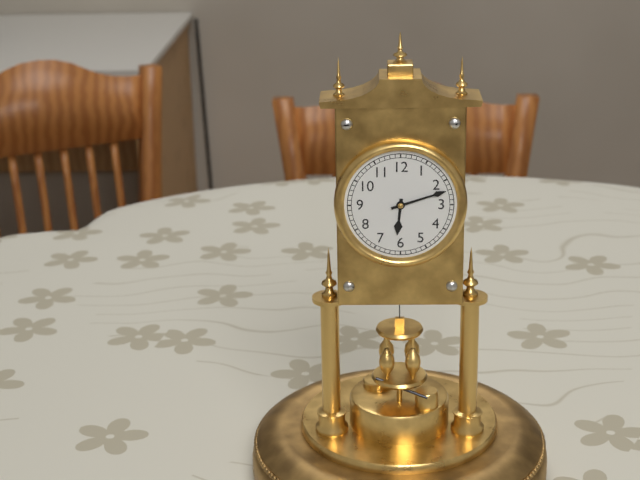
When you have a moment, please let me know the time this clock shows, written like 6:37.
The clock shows 6:12
